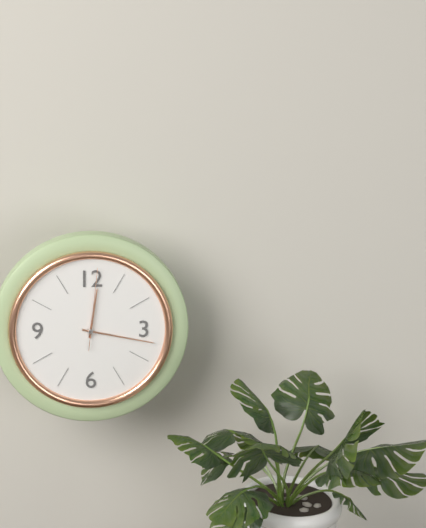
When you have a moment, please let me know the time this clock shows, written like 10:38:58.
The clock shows 12:17:01
